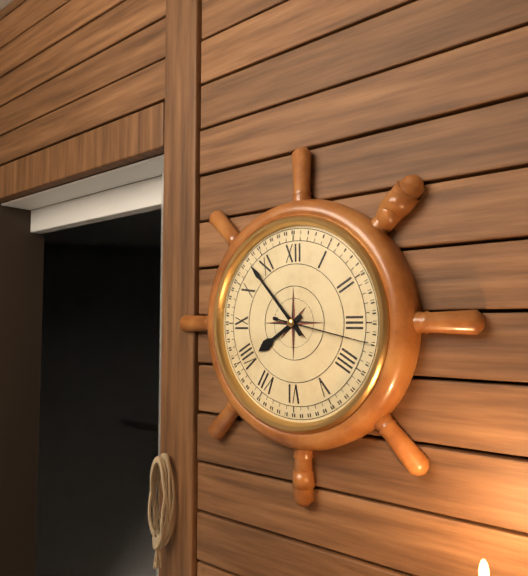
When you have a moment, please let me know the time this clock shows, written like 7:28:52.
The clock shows 7:53:17
